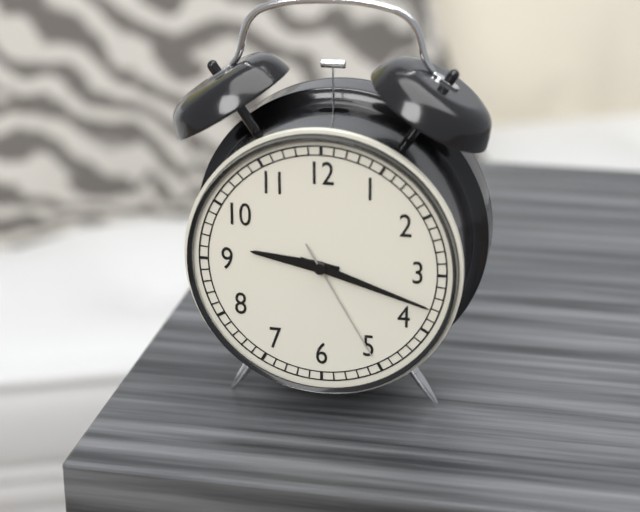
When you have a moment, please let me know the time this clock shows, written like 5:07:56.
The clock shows 9:18:25
